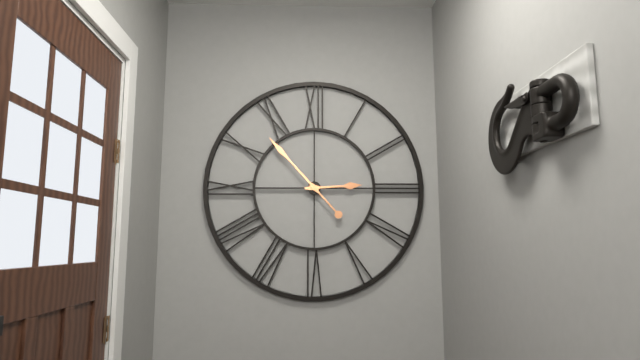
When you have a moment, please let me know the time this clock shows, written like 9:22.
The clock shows 2:53
